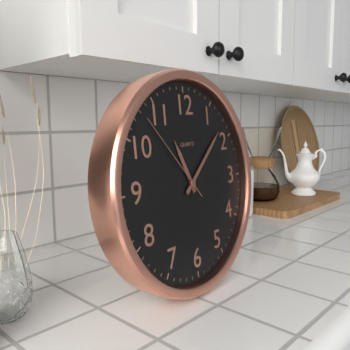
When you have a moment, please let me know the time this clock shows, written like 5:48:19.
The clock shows 11:08:53
